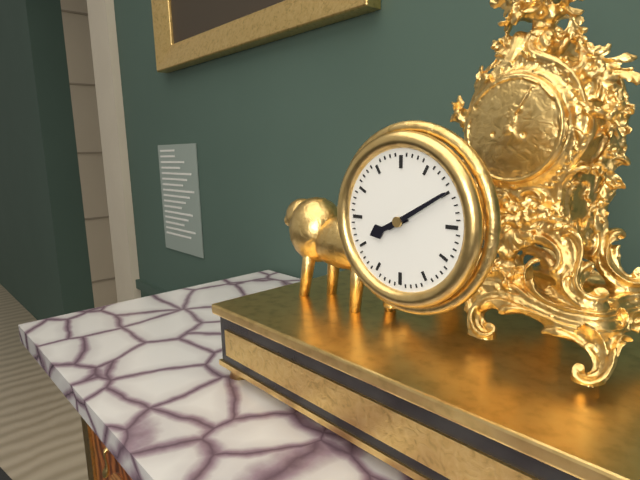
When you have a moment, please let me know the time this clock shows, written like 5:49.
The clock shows 8:10
